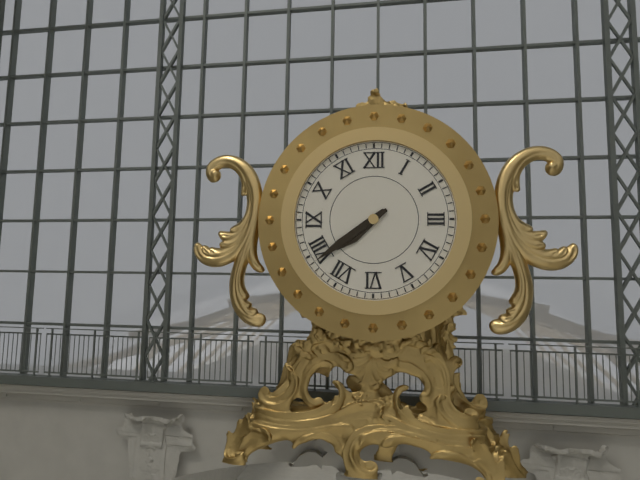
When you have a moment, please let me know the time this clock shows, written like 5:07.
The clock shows 7:39
